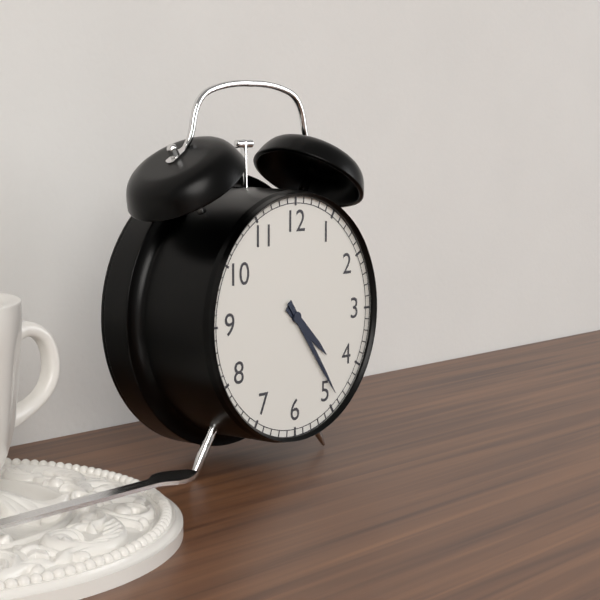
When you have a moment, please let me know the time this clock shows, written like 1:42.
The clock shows 4:24
